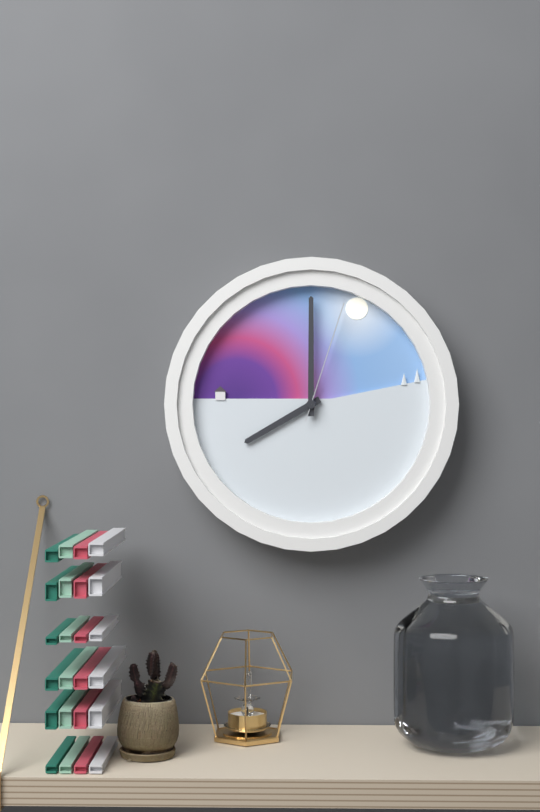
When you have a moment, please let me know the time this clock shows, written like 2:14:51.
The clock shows 8:00:03
